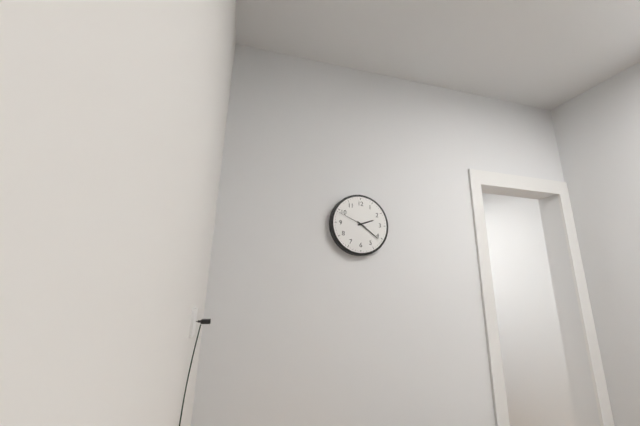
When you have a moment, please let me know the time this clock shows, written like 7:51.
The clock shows 2:21
